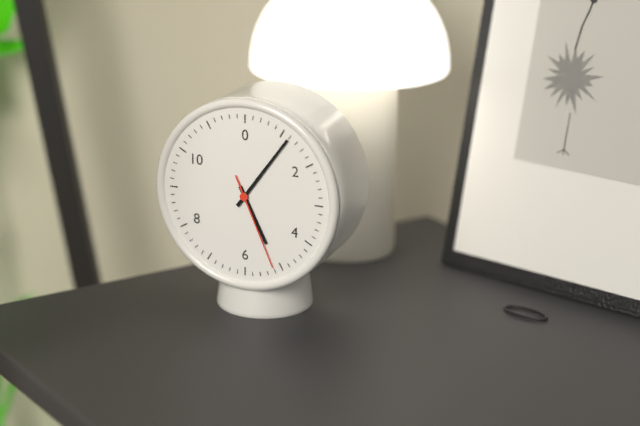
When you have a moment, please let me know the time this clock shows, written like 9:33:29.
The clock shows 5:06:26
